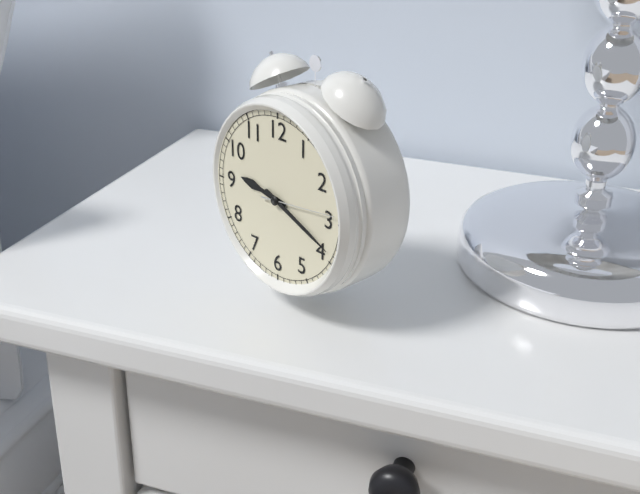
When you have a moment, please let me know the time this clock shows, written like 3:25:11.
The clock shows 9:19:14
